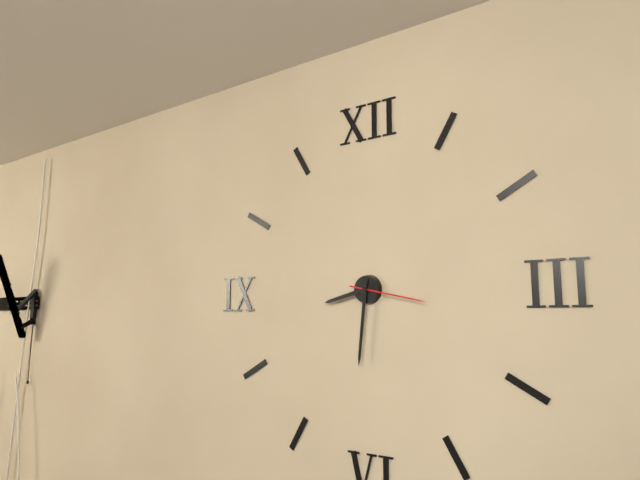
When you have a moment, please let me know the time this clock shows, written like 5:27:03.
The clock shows 8:31:17
